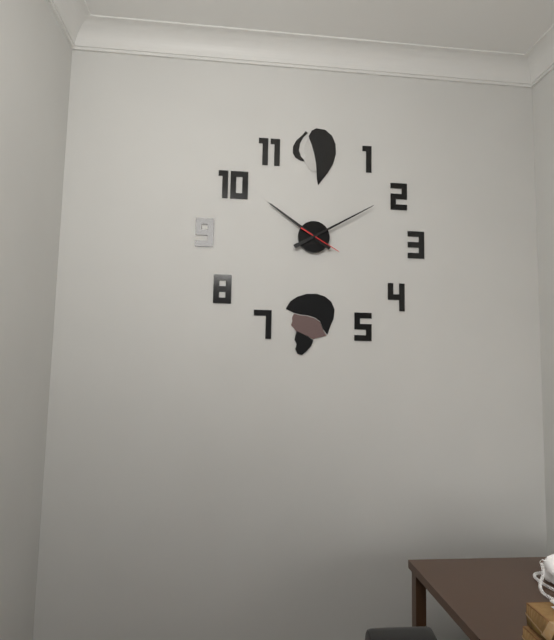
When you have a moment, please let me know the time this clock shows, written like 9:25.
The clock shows 10:10
